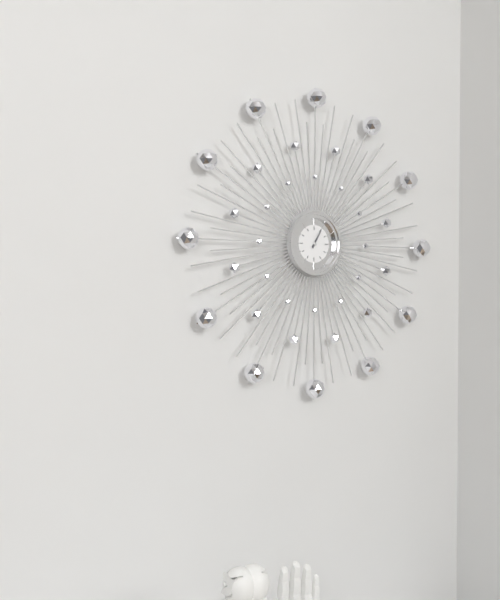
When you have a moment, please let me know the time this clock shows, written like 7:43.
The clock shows 1:05
